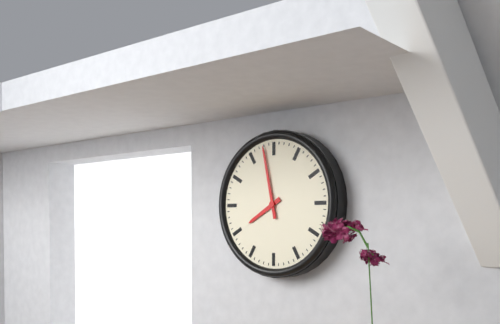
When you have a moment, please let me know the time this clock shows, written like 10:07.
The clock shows 7:58
